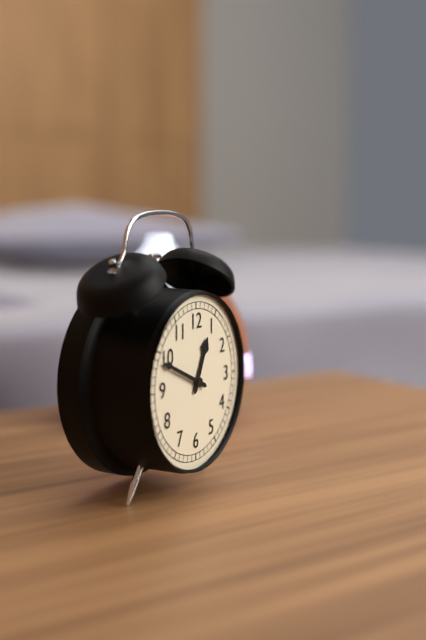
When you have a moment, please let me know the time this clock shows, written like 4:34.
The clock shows 12:49
